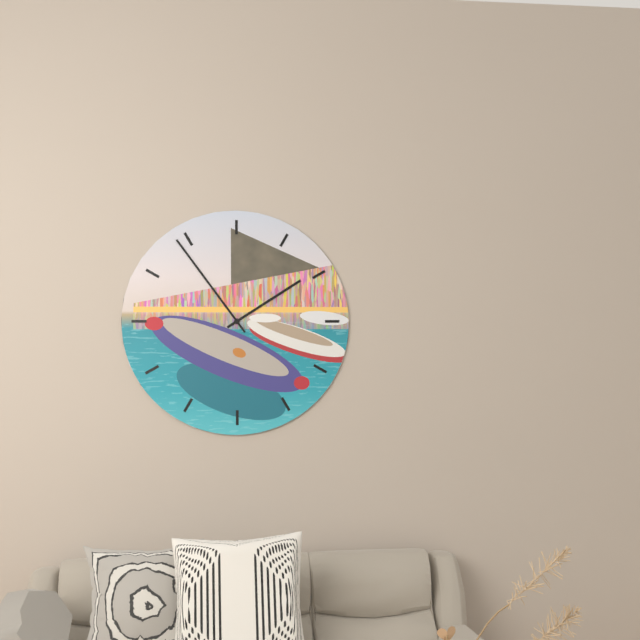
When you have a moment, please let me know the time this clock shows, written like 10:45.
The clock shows 1:54
